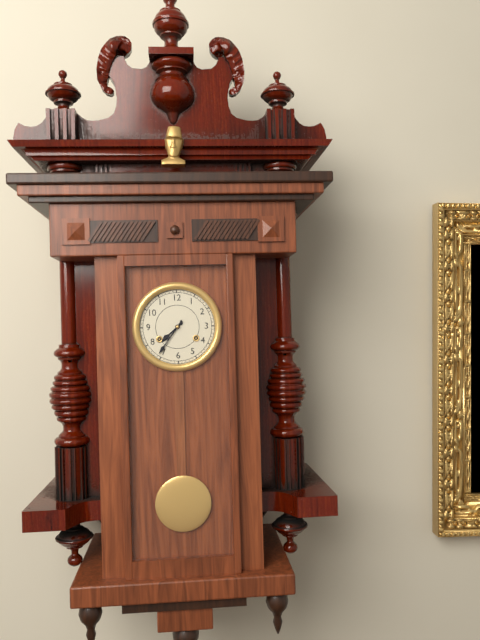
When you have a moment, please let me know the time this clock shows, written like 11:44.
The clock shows 7:36
